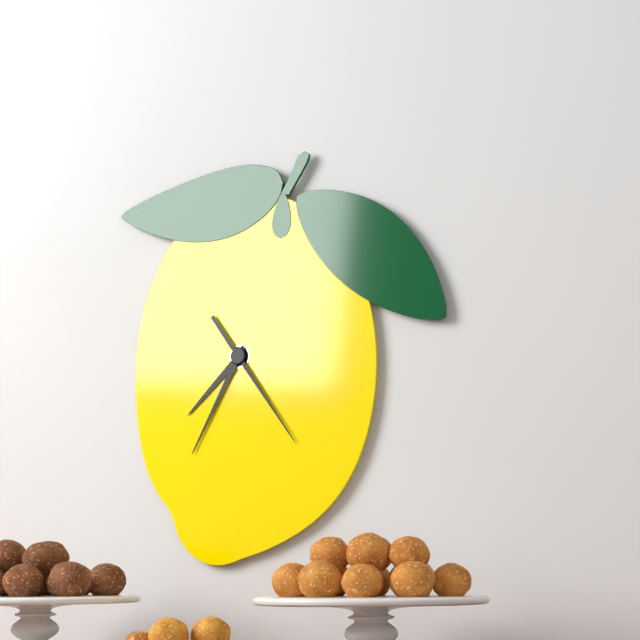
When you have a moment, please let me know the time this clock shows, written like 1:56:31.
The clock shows 7:35:24
